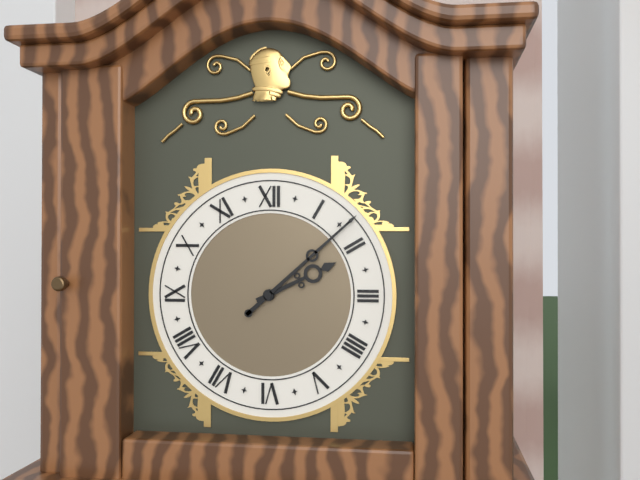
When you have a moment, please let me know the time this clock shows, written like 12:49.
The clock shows 2:08
